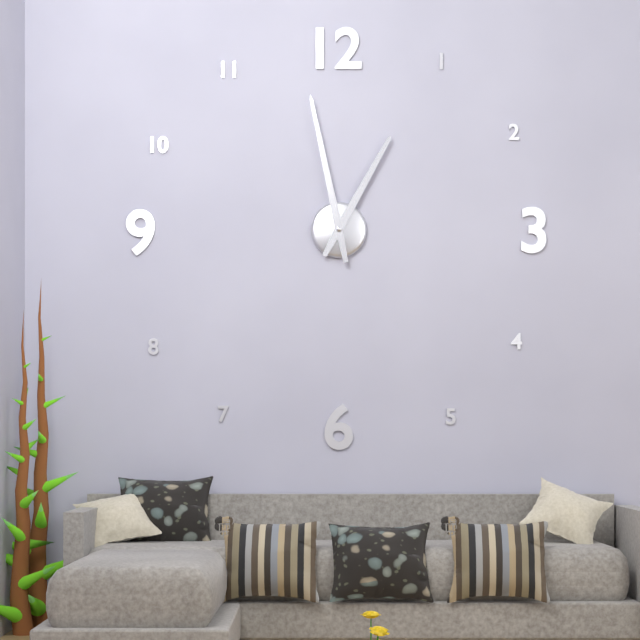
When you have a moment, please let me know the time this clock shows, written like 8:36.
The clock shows 12:58
